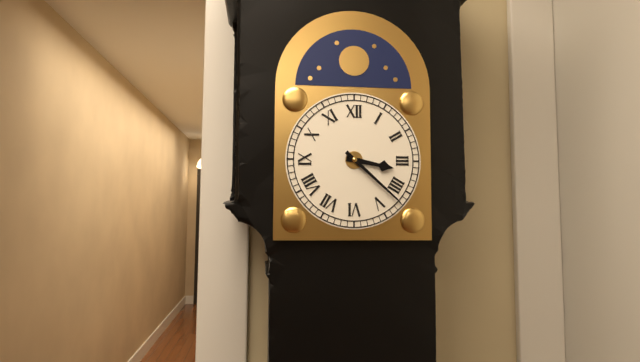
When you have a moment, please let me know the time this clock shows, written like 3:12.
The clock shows 3:22
